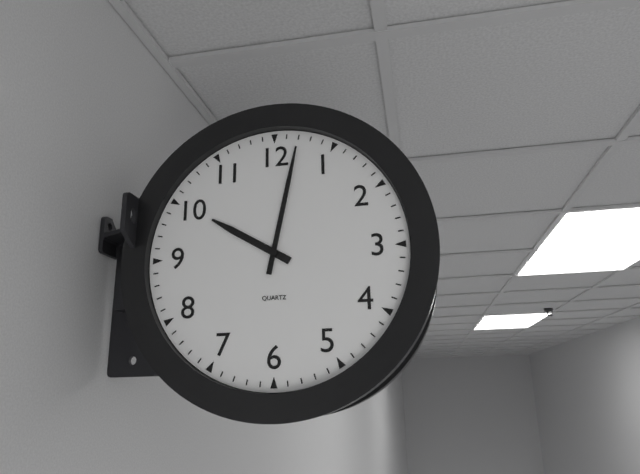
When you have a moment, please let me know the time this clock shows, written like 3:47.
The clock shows 10:02
